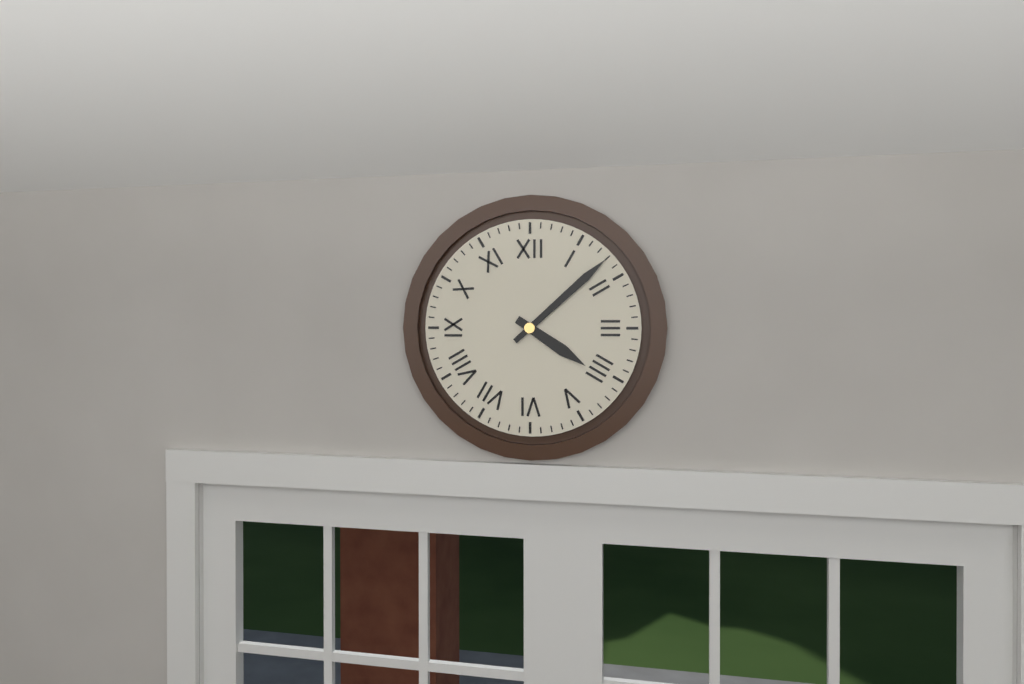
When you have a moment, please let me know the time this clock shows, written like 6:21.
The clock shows 4:08
